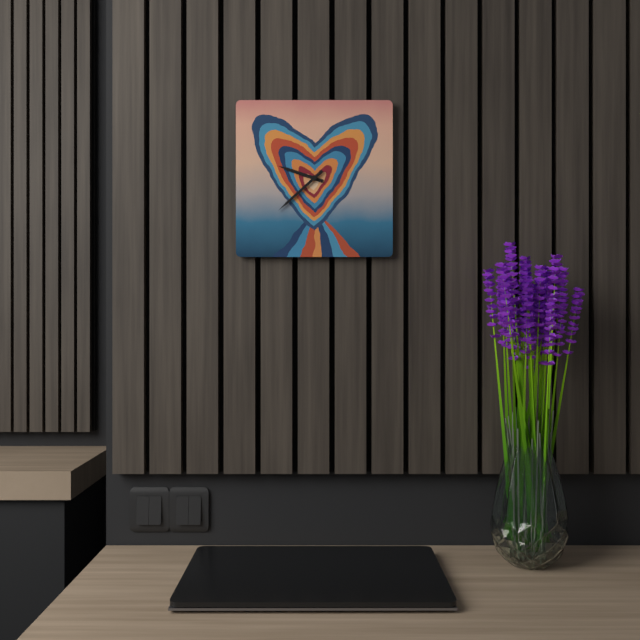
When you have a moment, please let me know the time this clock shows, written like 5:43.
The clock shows 9:38
